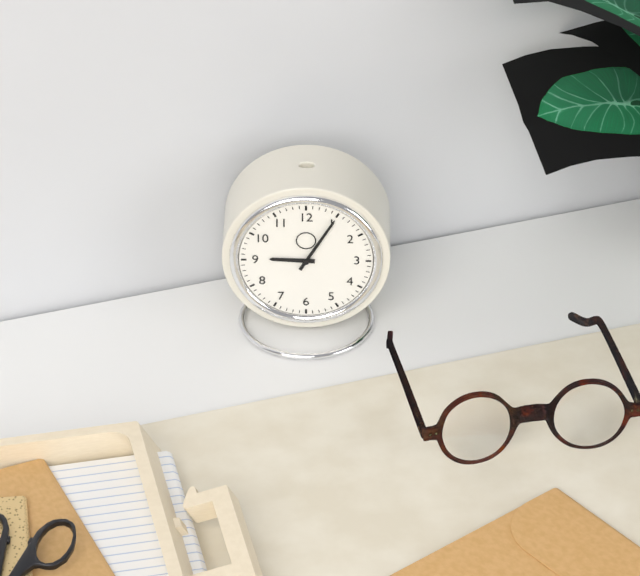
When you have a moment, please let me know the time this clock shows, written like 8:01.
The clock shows 9:05
